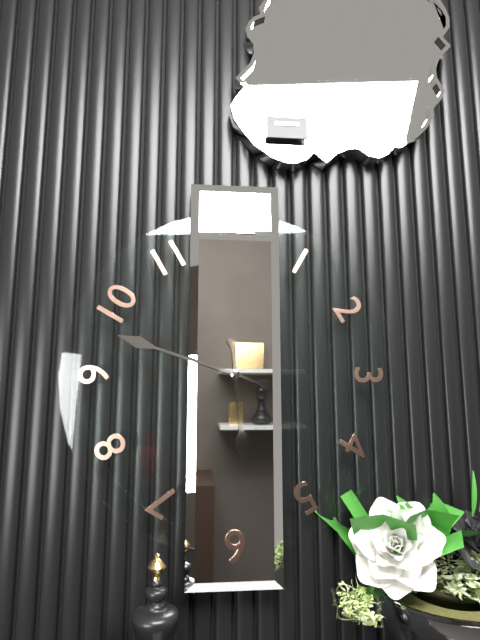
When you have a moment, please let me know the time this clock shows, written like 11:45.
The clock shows 5:48
